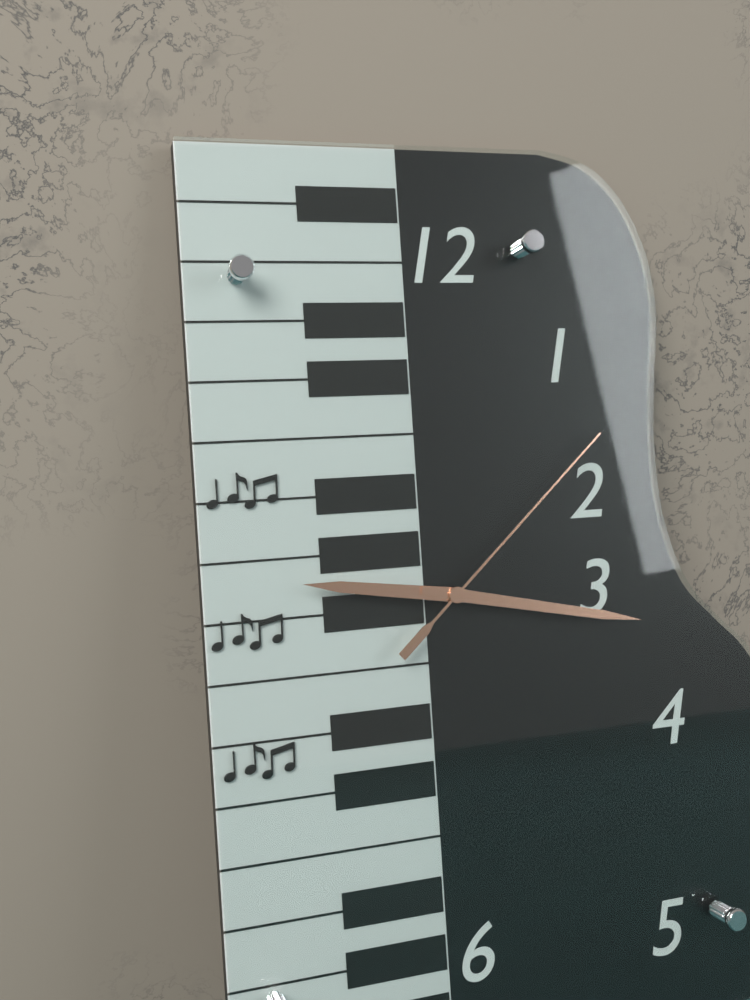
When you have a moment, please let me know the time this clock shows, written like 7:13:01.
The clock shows 9:17:08
